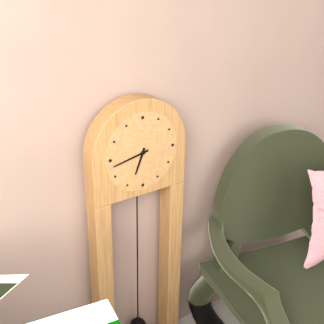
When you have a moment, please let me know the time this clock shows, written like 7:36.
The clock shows 6:43
